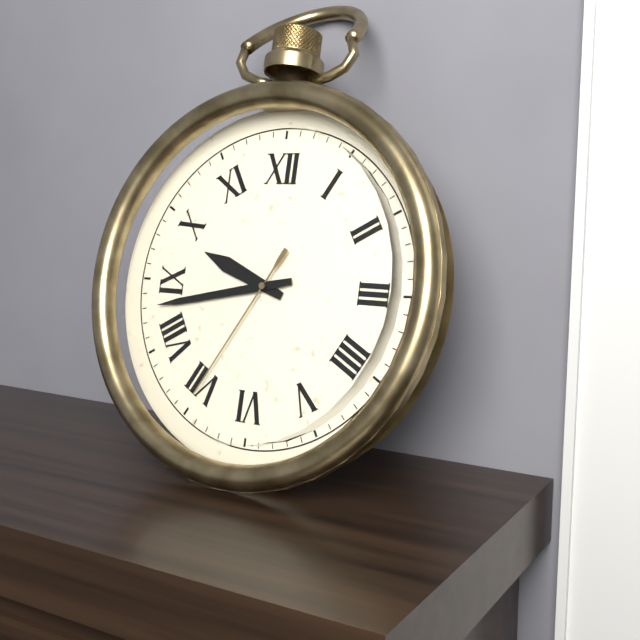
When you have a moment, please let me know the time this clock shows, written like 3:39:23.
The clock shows 9:43:35
